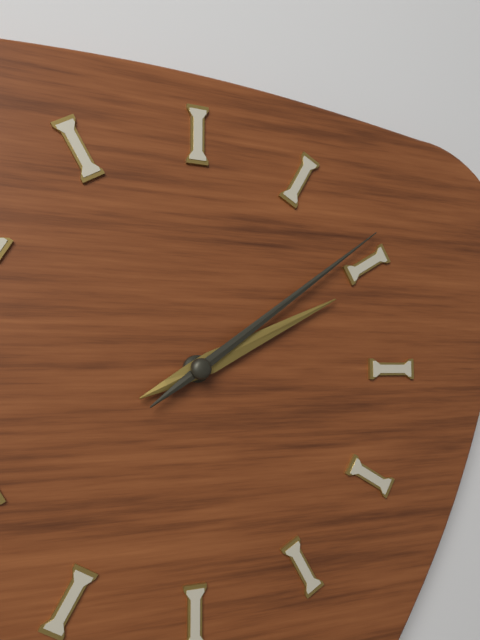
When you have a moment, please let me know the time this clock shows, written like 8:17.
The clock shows 2:09
